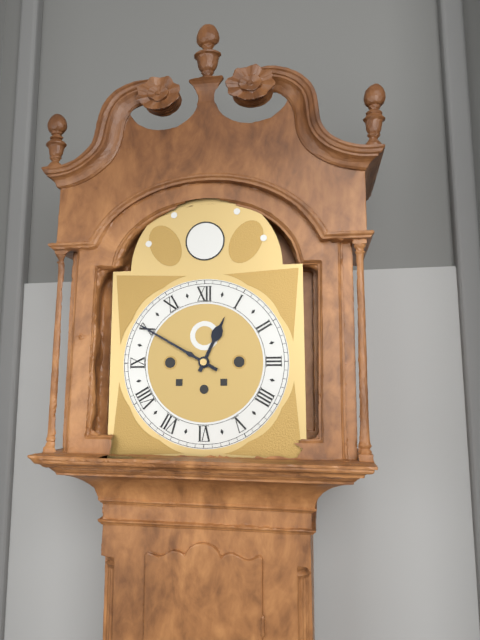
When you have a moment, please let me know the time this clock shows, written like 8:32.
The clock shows 12:50
